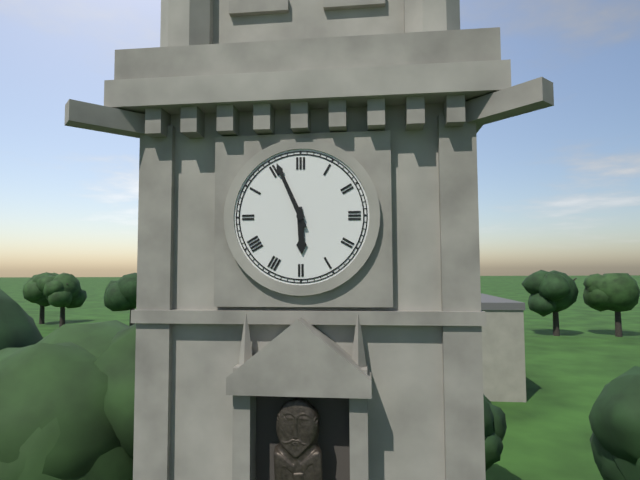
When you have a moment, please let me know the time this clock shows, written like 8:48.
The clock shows 5:56
